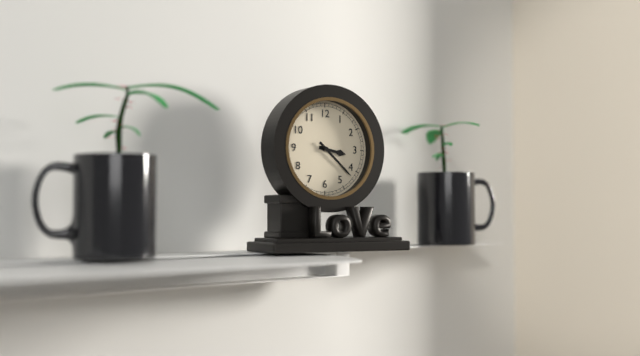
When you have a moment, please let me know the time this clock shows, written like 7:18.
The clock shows 3:22
